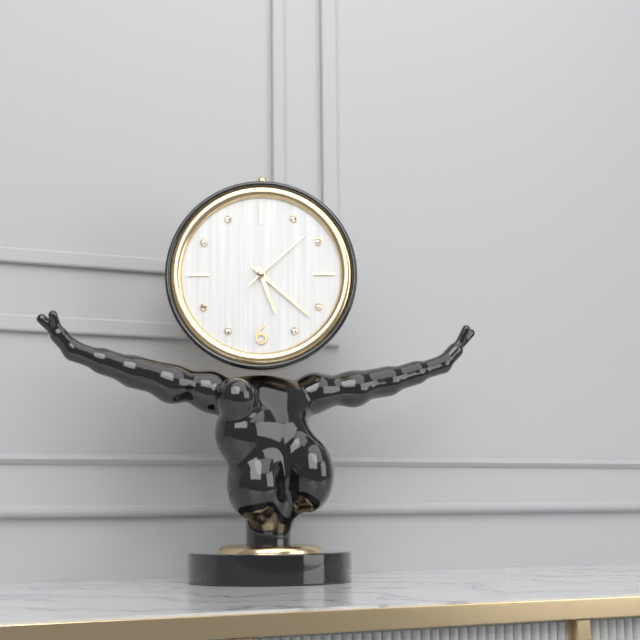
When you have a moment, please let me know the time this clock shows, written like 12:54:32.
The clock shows 5:22:08
